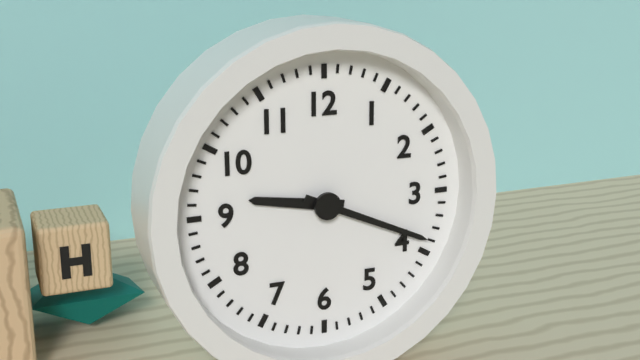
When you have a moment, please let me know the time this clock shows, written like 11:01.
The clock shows 9:19
